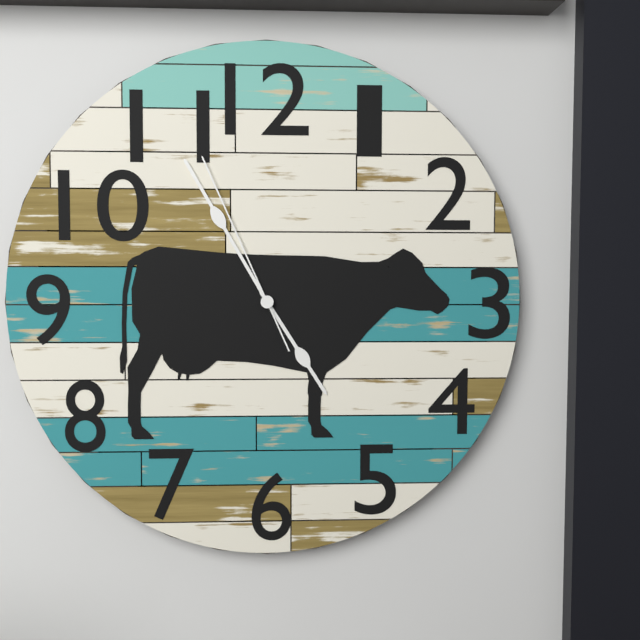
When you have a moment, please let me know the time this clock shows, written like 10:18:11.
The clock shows 4:55:56
